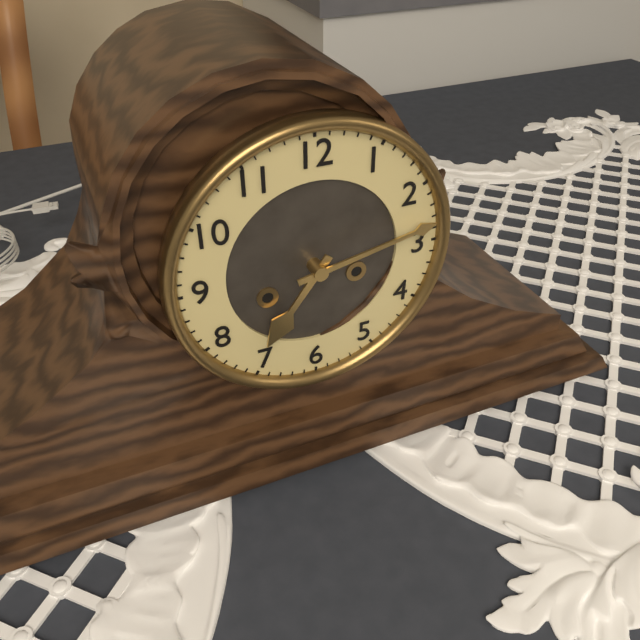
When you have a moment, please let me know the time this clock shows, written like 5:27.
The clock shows 7:13
